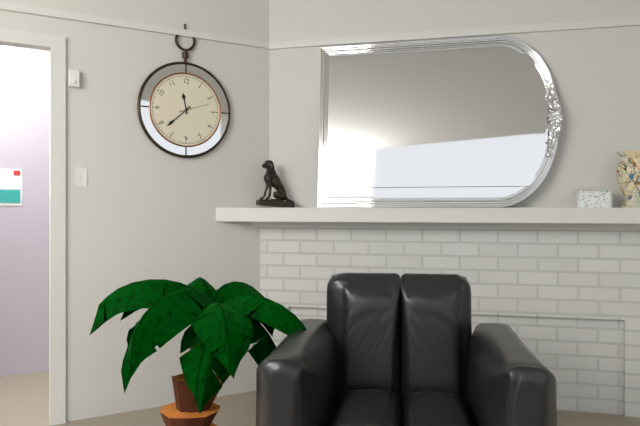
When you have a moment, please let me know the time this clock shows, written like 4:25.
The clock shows 11:38
